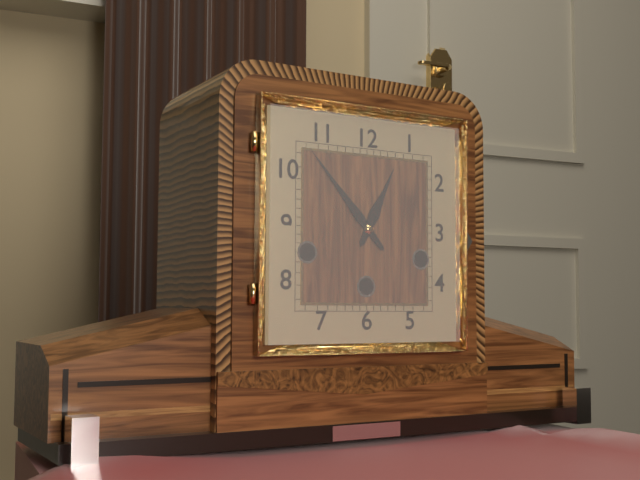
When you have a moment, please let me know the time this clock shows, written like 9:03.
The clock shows 12:53
